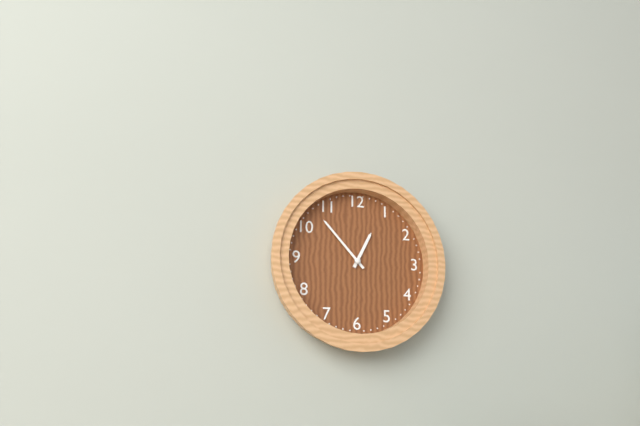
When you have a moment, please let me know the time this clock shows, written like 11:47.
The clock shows 12:53
